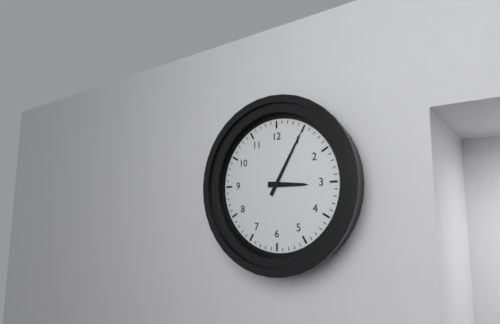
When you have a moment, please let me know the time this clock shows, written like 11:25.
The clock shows 3:05
